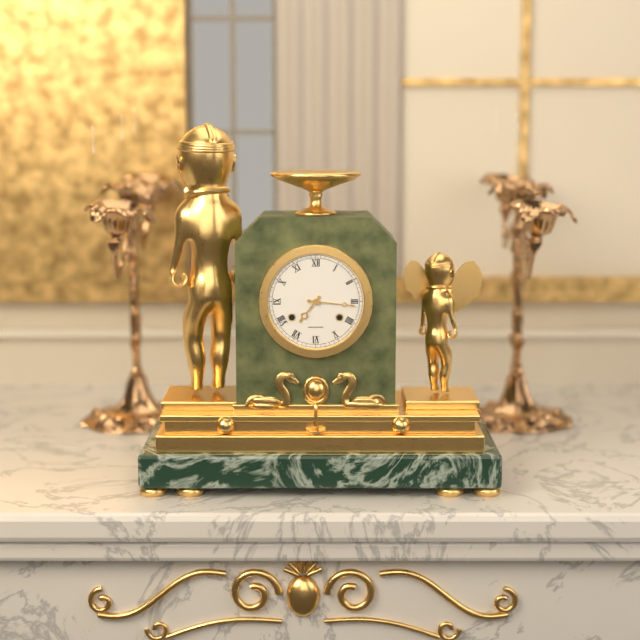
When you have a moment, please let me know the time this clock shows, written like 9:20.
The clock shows 7:16
